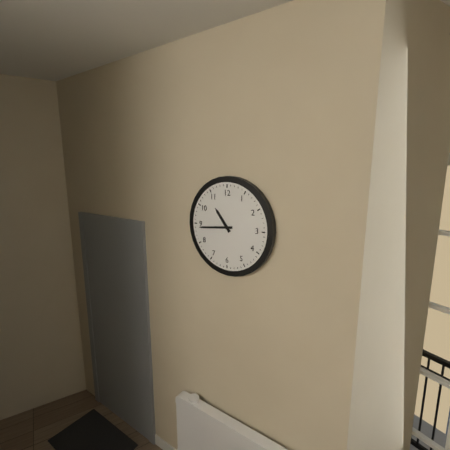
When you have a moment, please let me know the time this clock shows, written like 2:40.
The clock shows 10:44
